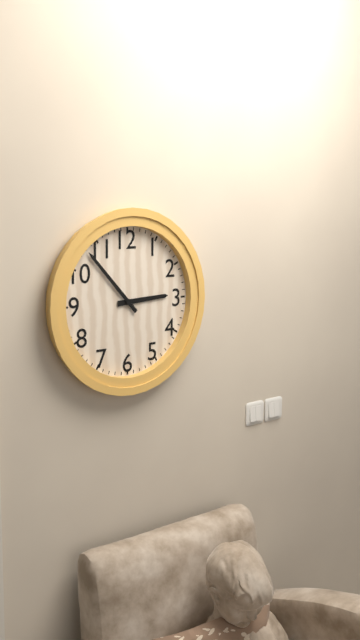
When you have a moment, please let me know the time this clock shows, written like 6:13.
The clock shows 2:53
